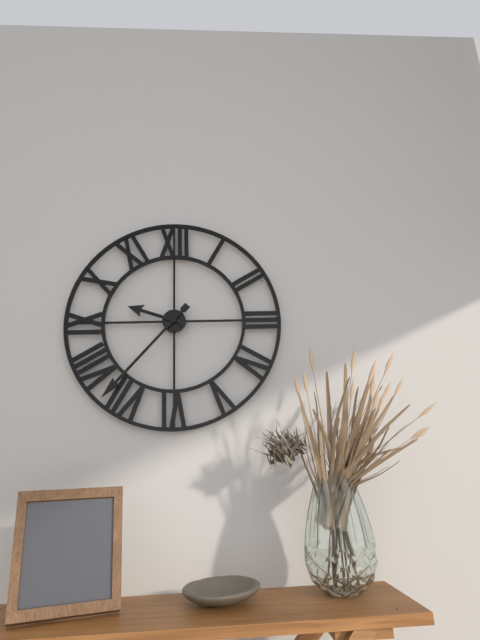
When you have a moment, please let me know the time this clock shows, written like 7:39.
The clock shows 9:37
